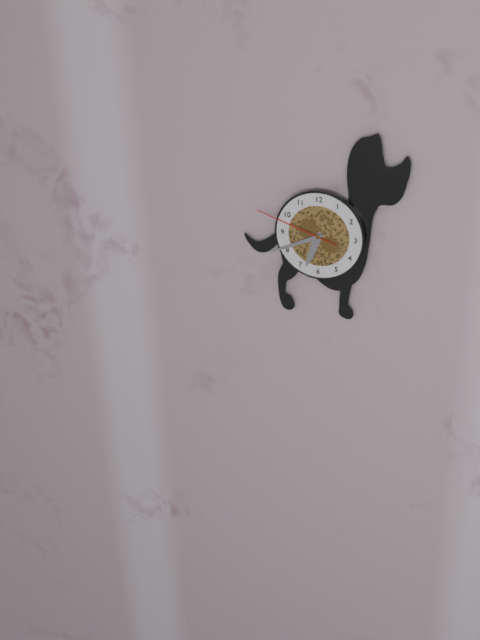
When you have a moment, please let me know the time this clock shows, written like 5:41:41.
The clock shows 6:41:48
